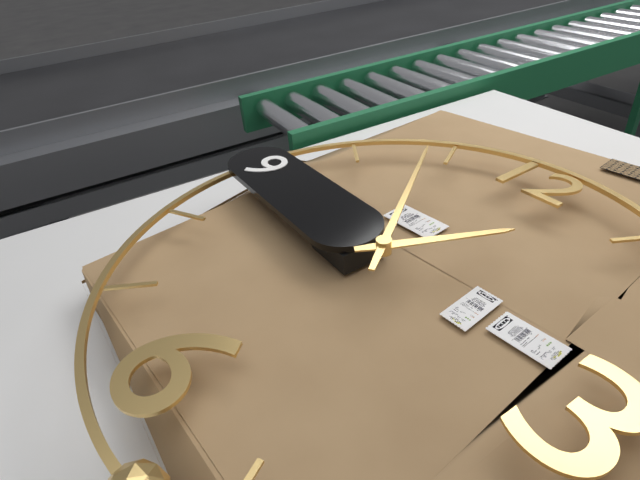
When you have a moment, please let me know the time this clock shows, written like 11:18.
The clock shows 12:54
